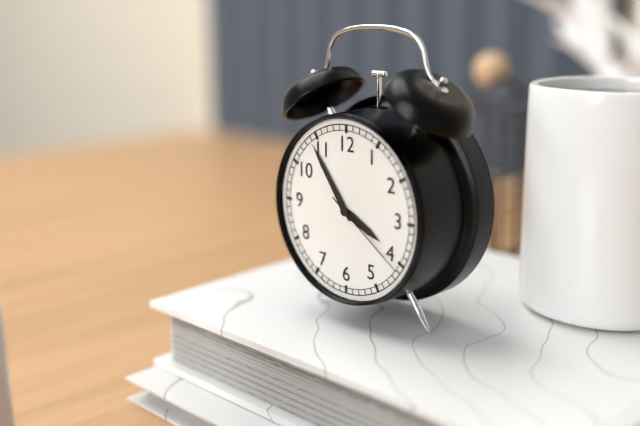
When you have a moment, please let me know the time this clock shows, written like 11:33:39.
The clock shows 3:54:21
